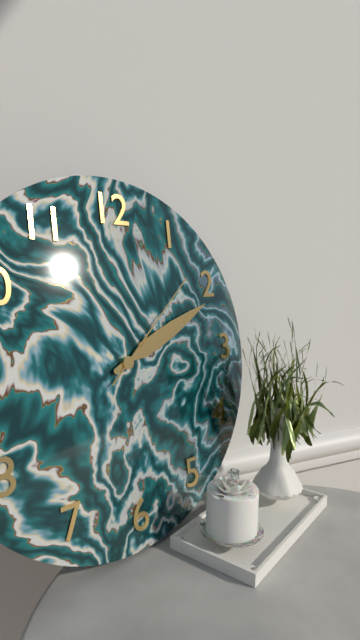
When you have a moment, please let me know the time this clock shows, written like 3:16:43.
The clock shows 2:11:08
